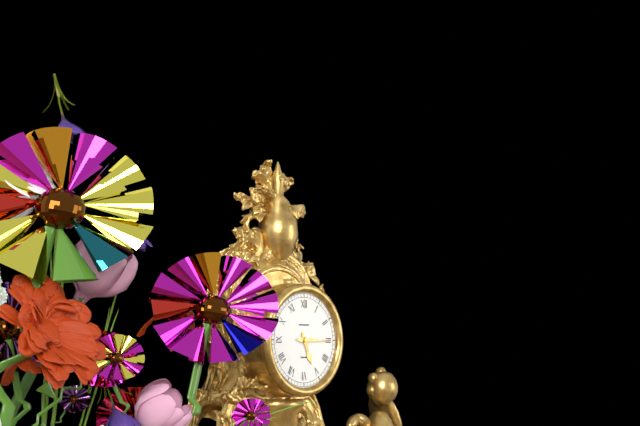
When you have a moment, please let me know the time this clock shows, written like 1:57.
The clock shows 5:15
